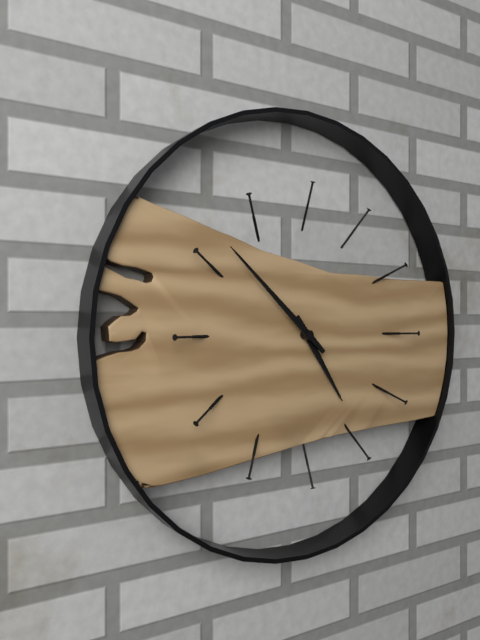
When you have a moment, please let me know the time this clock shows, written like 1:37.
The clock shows 4:52
